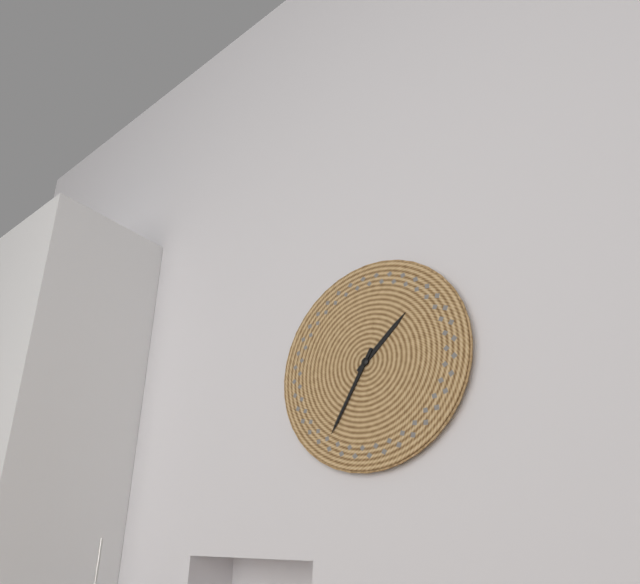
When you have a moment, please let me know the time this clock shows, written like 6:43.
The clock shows 1:35
